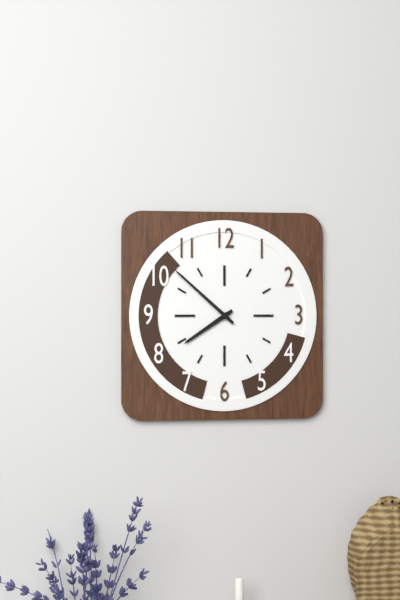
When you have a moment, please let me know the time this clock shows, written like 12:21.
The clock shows 7:52
